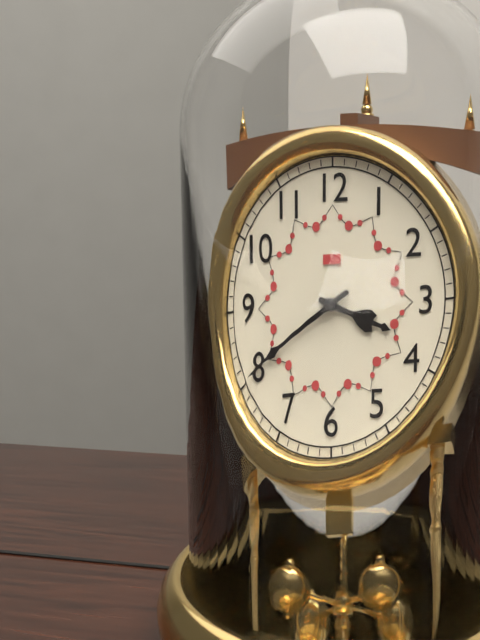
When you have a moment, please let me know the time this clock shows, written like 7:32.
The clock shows 3:40
